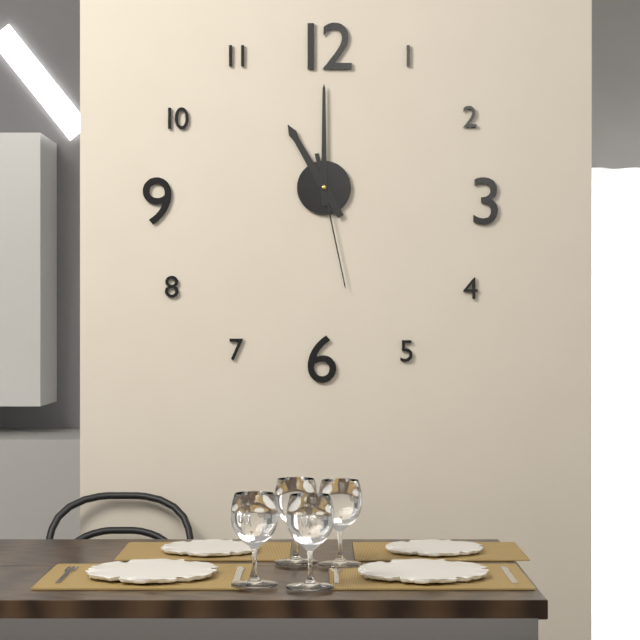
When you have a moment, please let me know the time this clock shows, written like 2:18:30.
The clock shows 11:00:28
